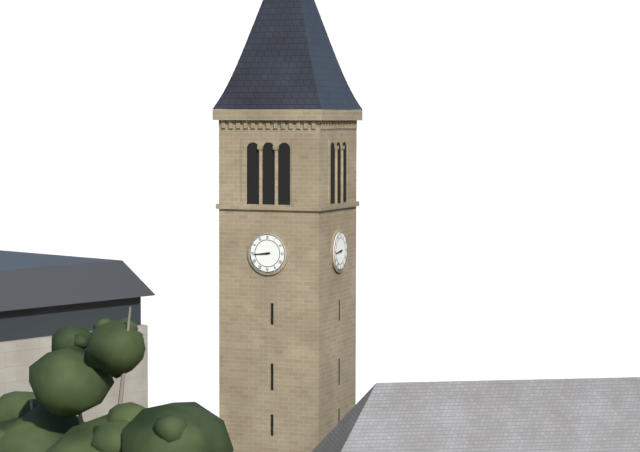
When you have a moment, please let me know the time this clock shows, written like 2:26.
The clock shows 8:44
